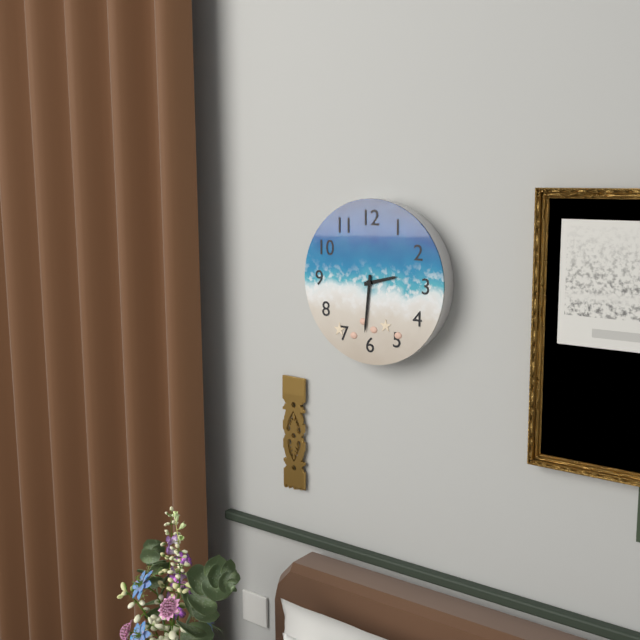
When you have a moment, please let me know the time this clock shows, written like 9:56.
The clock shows 2:31
